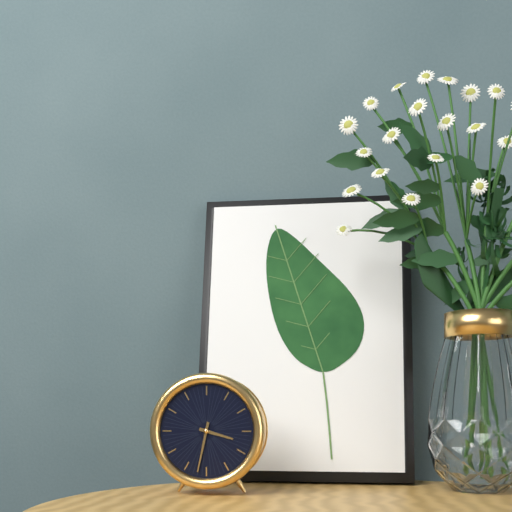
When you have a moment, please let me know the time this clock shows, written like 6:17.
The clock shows 3:32
